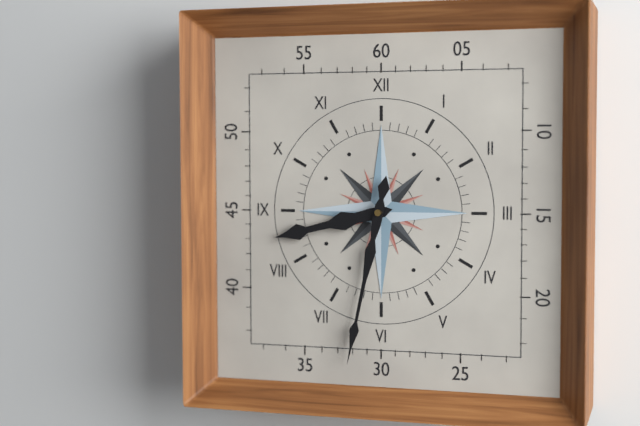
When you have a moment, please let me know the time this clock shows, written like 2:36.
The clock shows 8:32
